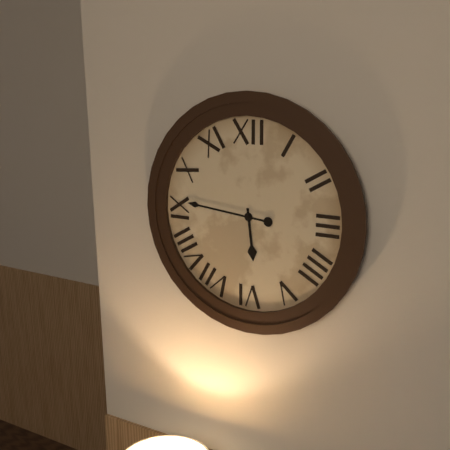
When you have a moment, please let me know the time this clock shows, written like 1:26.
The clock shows 5:46
